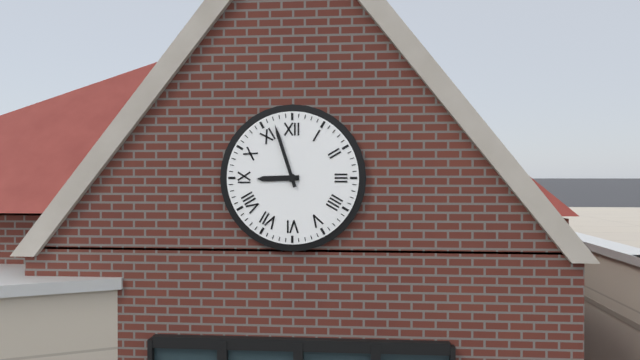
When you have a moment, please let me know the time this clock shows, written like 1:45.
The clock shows 8:57
